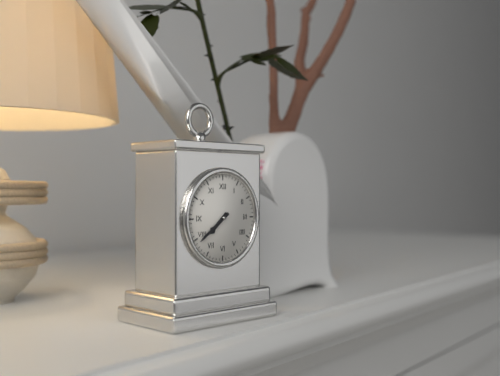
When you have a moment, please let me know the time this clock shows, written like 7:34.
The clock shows 7:39
